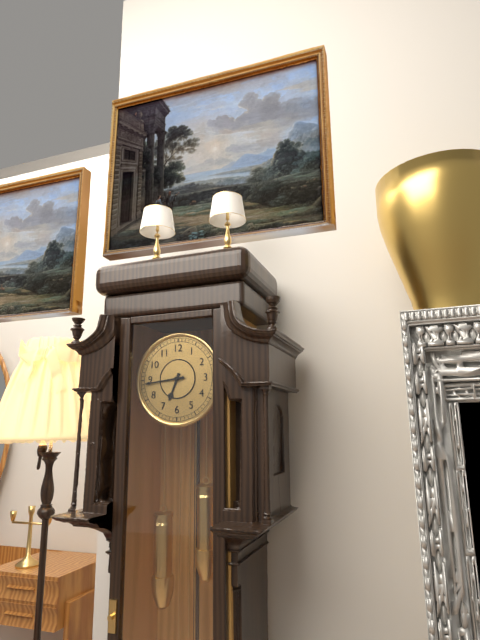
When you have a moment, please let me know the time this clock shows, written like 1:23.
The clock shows 6:44
